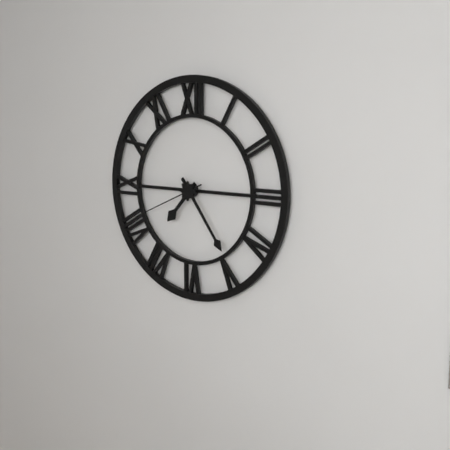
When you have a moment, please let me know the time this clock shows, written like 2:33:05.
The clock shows 7:24:41
